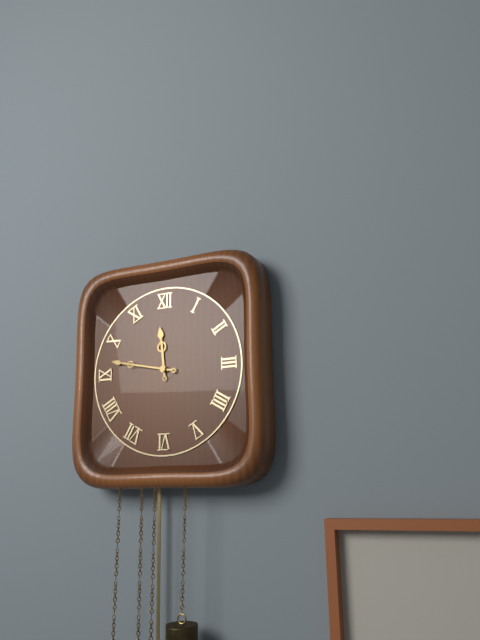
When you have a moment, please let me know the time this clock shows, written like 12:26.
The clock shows 11:47
